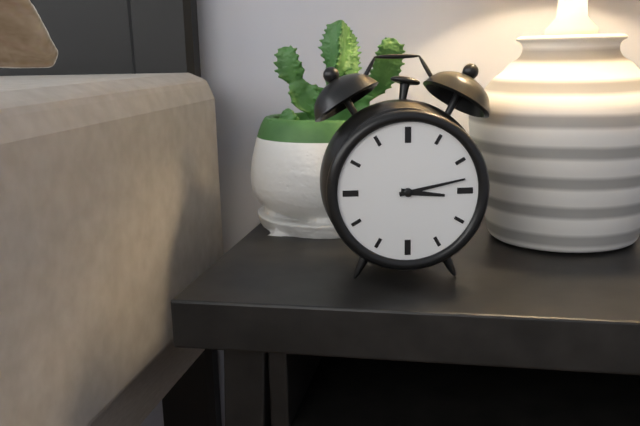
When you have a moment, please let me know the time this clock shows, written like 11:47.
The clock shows 3:13
